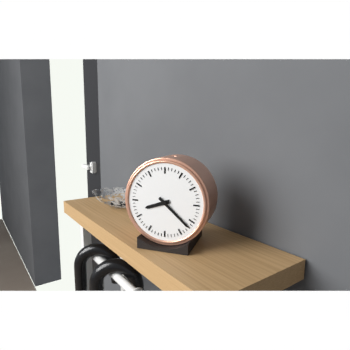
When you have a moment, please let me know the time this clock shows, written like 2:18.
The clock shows 8:22
